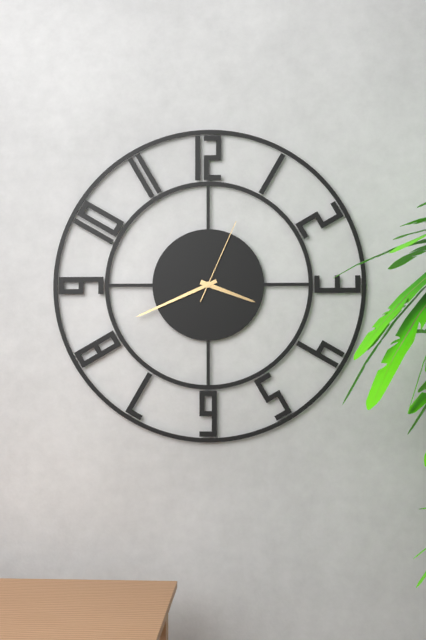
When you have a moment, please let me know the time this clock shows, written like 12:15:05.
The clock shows 3:41:04
